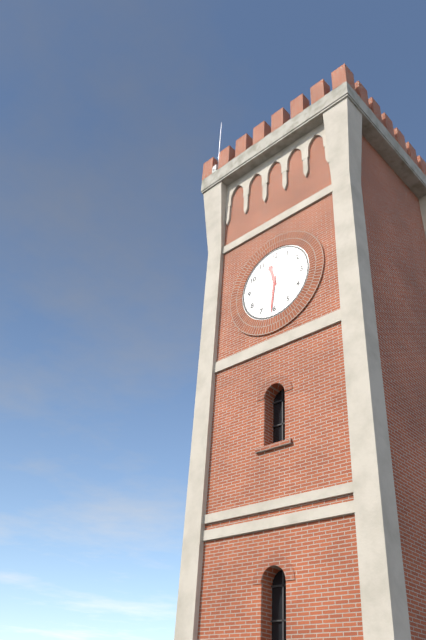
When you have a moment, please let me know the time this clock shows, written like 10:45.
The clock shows 11:31
